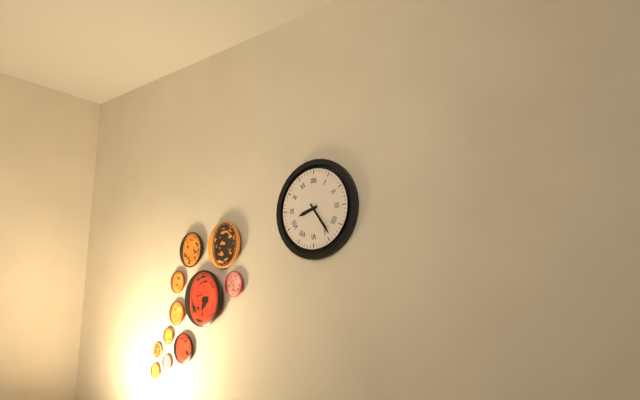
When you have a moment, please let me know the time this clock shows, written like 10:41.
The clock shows 8:24
